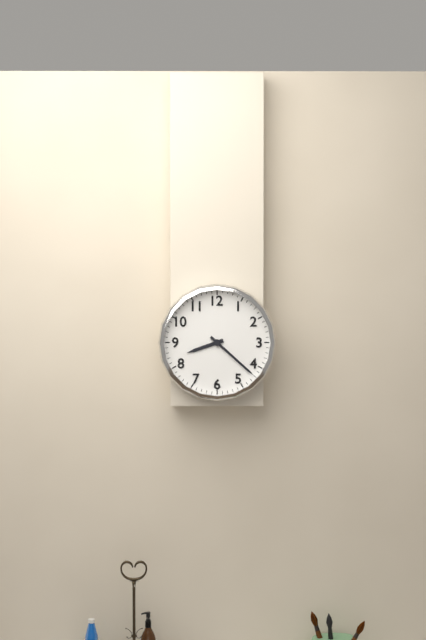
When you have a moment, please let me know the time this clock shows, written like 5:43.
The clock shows 8:22
